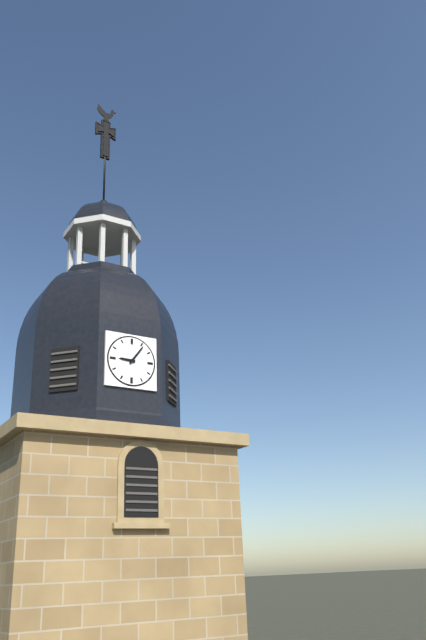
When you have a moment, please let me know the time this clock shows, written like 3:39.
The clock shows 9:06
